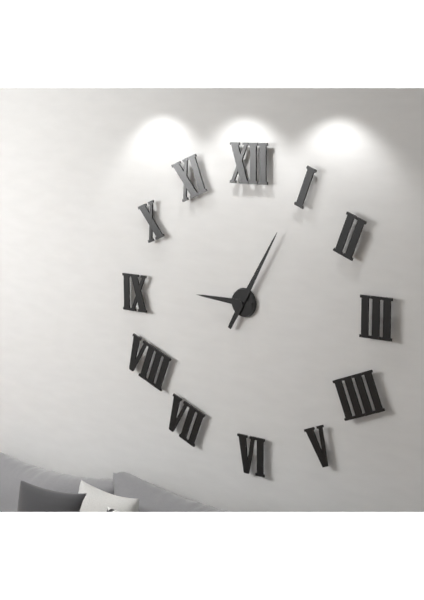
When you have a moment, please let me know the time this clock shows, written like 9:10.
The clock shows 9:05
